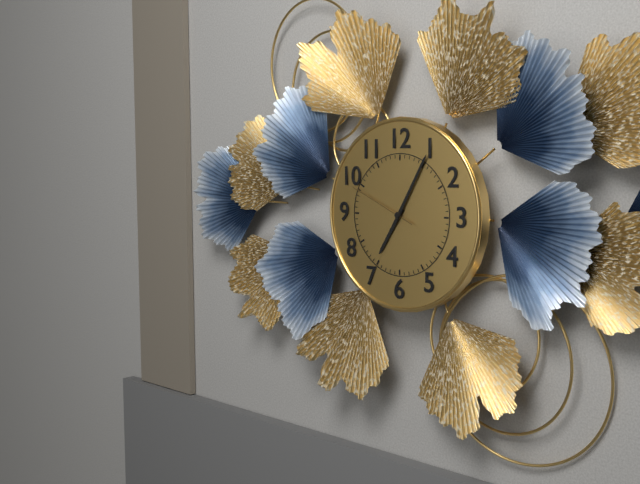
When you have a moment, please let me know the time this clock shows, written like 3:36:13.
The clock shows 7:05:49
